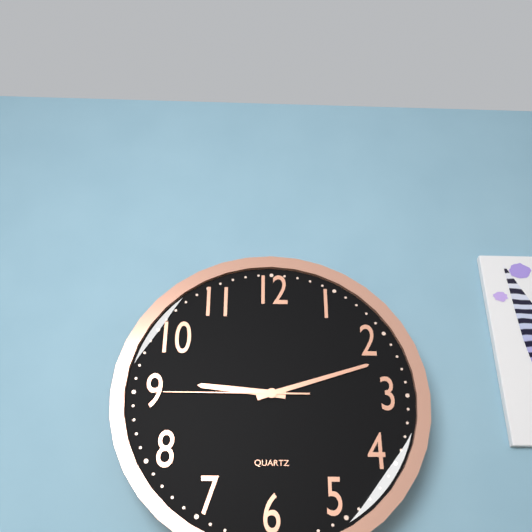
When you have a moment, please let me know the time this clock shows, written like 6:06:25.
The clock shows 9:12:45
